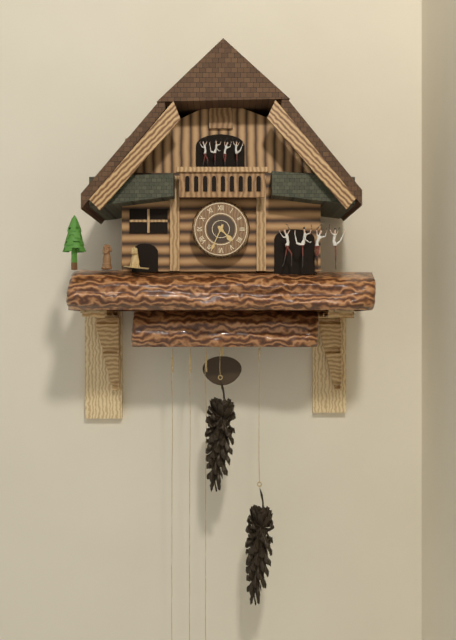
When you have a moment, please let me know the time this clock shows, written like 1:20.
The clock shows 4:34
